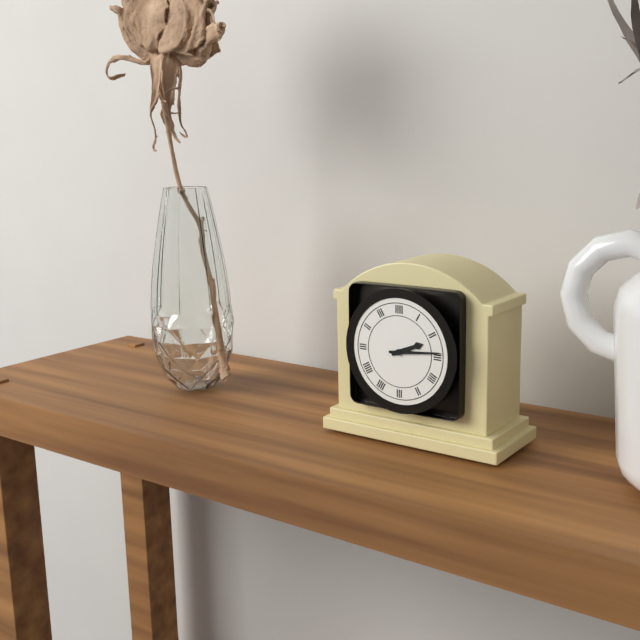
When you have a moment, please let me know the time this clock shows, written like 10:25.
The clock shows 2:14
